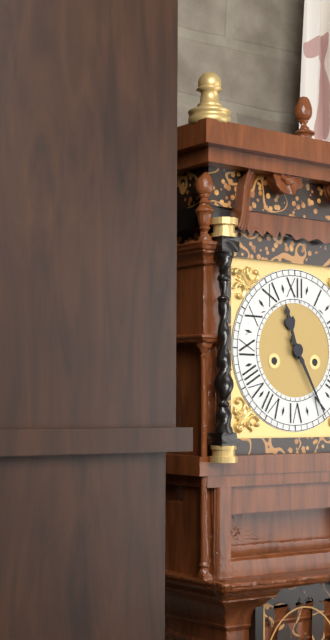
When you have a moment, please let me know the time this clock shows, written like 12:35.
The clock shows 11:25
